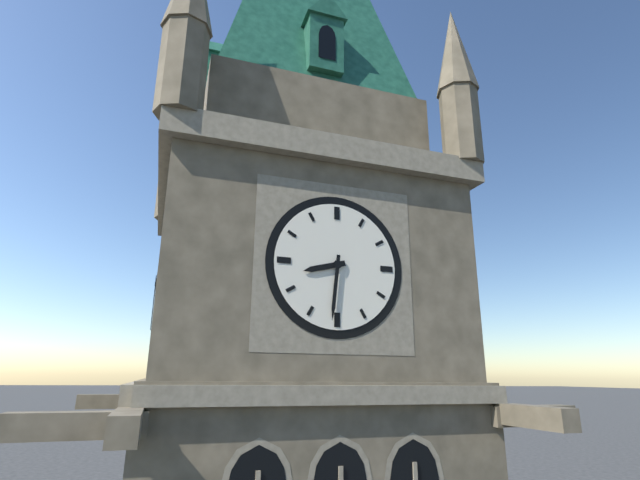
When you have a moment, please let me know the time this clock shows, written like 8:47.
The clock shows 8:31
